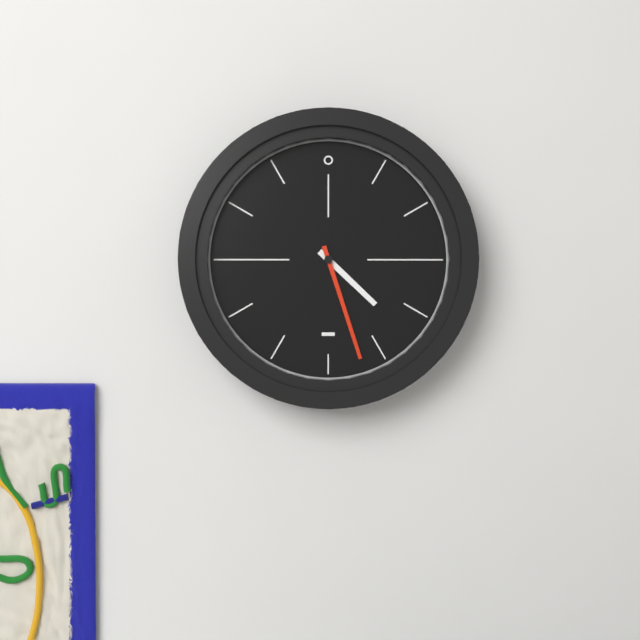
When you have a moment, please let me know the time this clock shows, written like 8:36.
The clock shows 4:27
